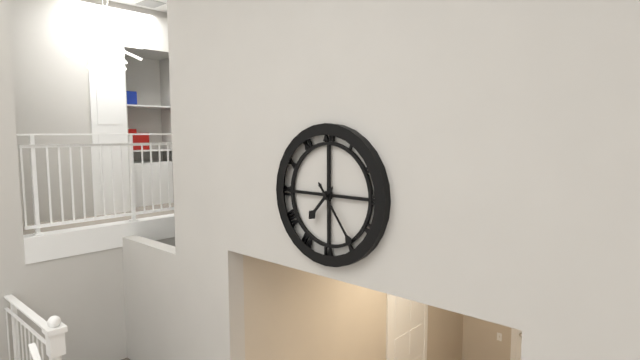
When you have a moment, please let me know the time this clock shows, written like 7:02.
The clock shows 7:24
